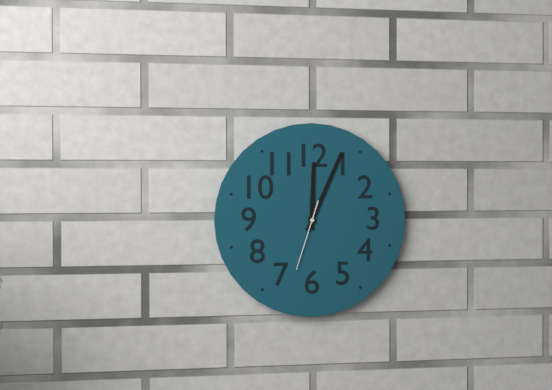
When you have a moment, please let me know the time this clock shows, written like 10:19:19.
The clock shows 12:04:33
